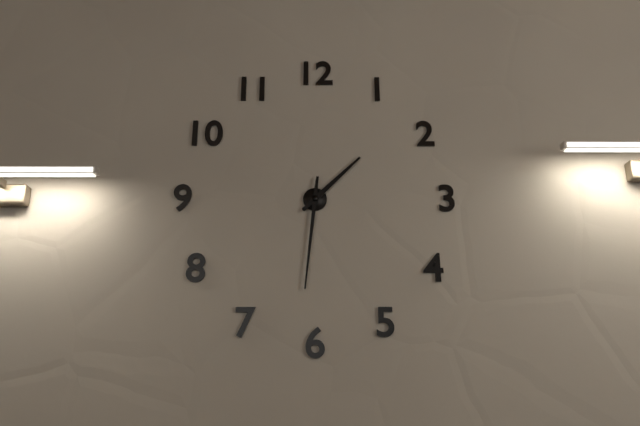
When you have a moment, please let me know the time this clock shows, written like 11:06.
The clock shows 1:31
